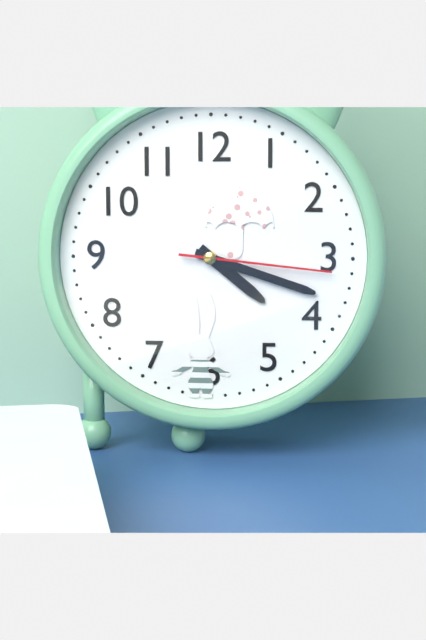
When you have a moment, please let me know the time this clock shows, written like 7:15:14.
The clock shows 4:18:16
